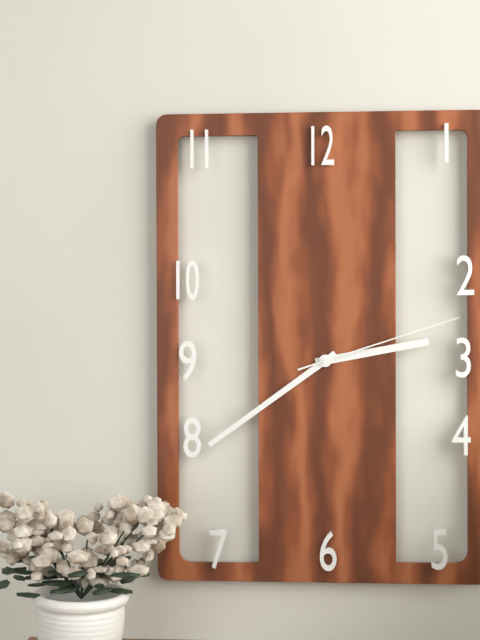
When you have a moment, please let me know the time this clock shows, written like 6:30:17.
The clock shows 2:39:12
